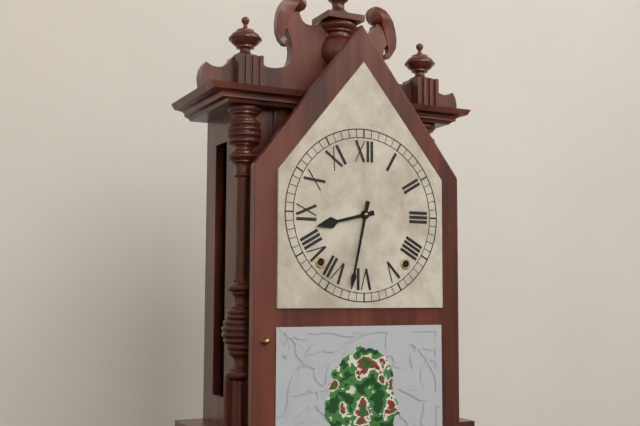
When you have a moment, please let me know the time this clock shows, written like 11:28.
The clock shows 8:32
